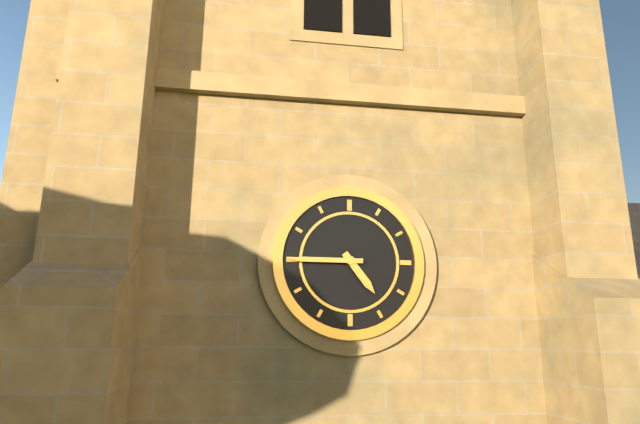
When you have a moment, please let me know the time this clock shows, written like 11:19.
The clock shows 4:45
